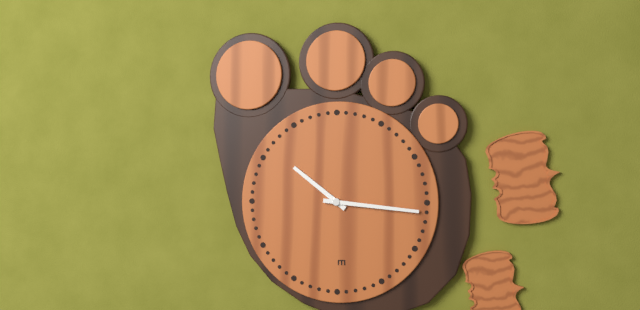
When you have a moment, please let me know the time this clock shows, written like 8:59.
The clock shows 10:16
